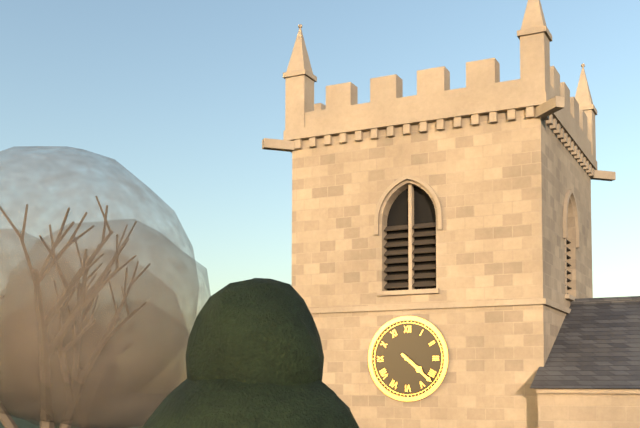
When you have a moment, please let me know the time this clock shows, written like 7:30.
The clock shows 4:22
